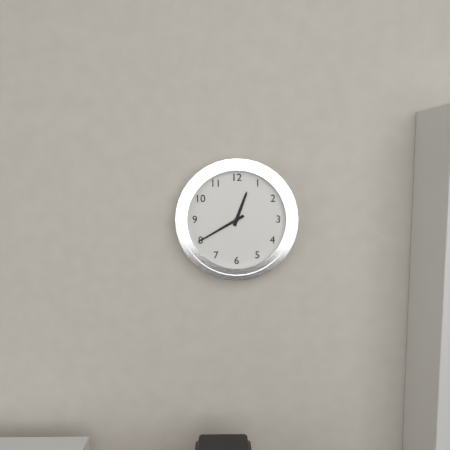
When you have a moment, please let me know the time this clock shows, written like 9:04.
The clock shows 12:40
